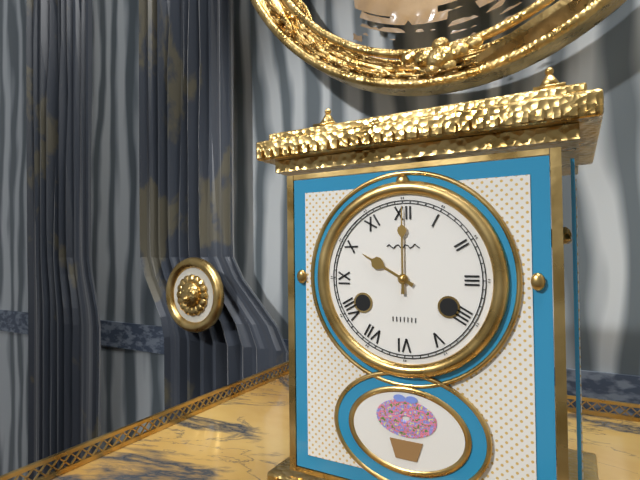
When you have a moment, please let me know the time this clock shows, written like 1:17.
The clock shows 10:00
